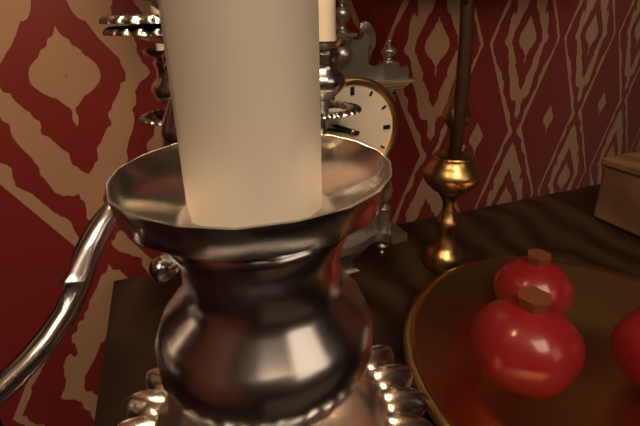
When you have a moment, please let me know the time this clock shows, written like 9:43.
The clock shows 9:47
